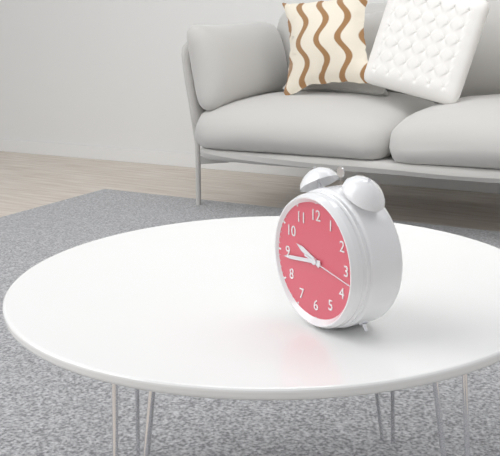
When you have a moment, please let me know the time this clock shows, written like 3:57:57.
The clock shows 9:44:17
